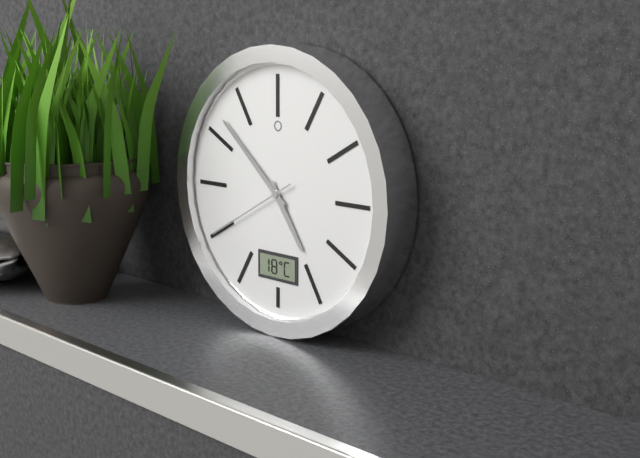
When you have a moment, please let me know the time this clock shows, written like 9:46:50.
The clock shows 4:52:40
